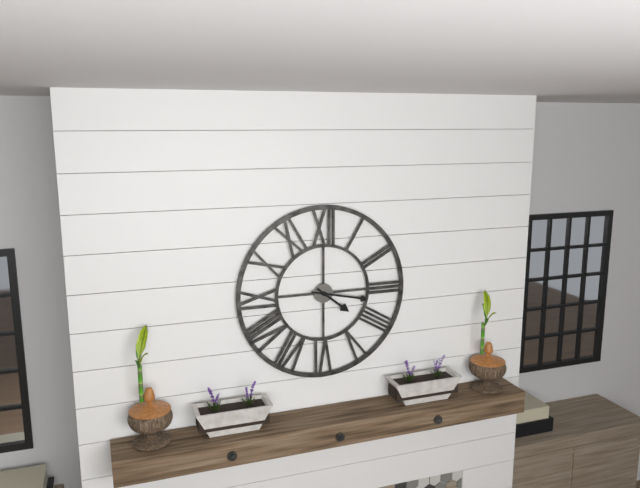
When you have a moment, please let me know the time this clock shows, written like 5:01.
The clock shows 4:17
